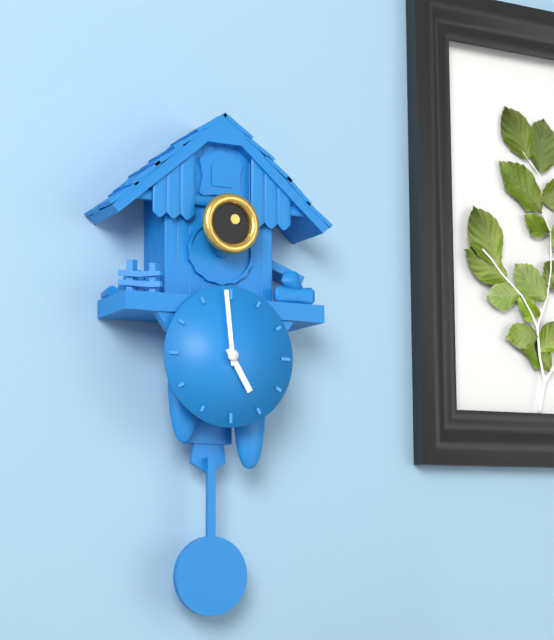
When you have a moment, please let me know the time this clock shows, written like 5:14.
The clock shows 4:59
